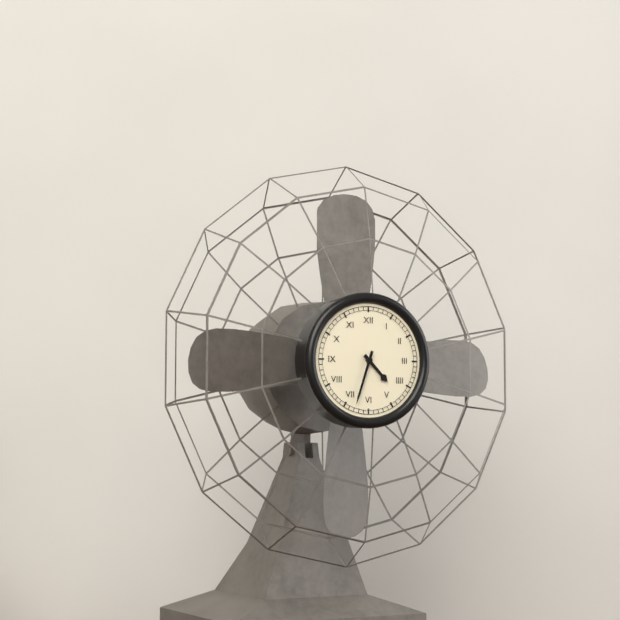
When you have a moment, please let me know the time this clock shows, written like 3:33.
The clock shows 4:33
